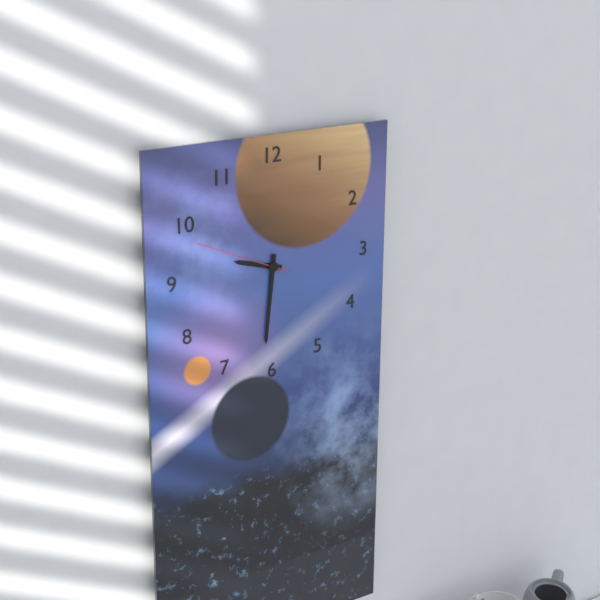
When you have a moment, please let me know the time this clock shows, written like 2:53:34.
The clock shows 9:31:49
